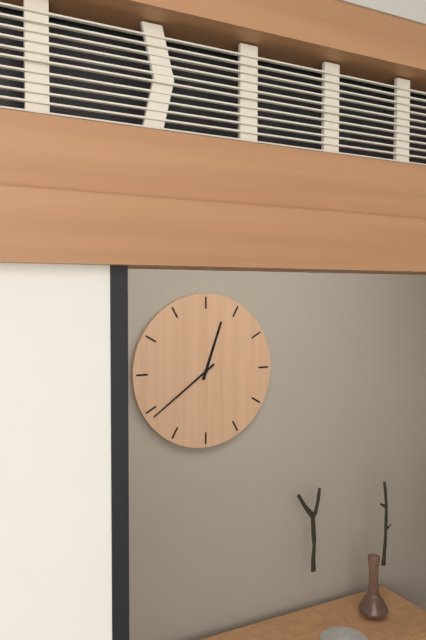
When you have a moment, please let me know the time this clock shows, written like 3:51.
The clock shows 12:39
